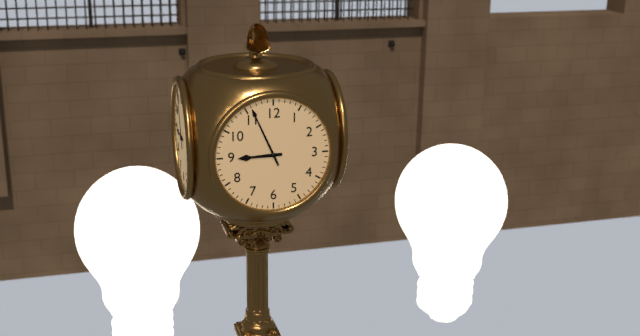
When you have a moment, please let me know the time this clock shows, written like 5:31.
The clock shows 8:56
